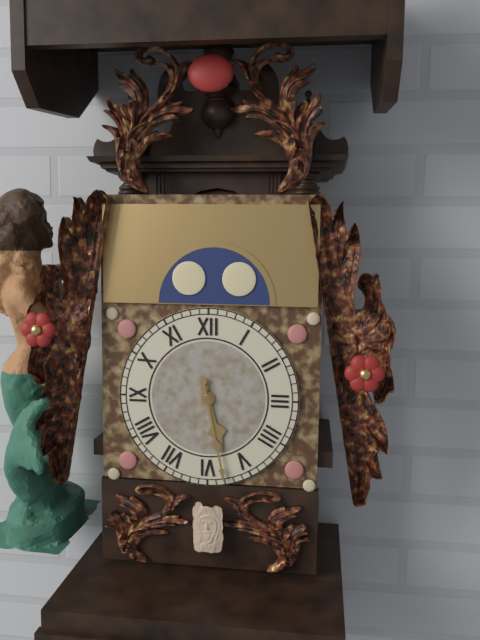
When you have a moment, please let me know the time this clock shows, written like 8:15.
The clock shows 5:28
